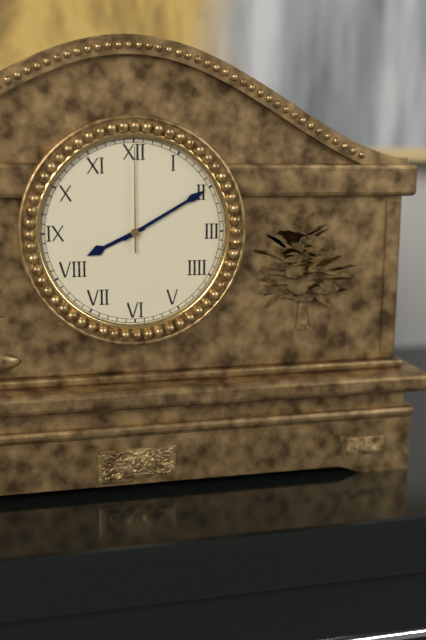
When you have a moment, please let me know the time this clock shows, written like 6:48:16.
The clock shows 8:10:00
